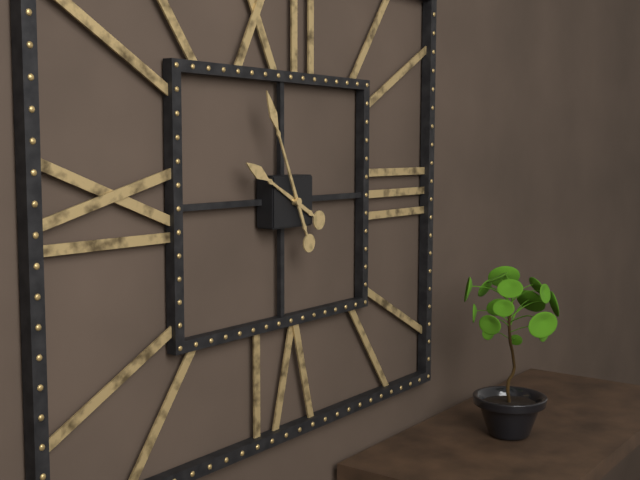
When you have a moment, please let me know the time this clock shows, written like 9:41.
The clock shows 9:56
